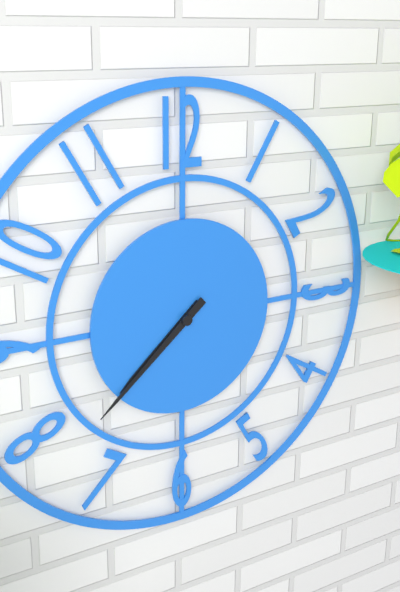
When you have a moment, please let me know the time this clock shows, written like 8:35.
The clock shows 7:38
